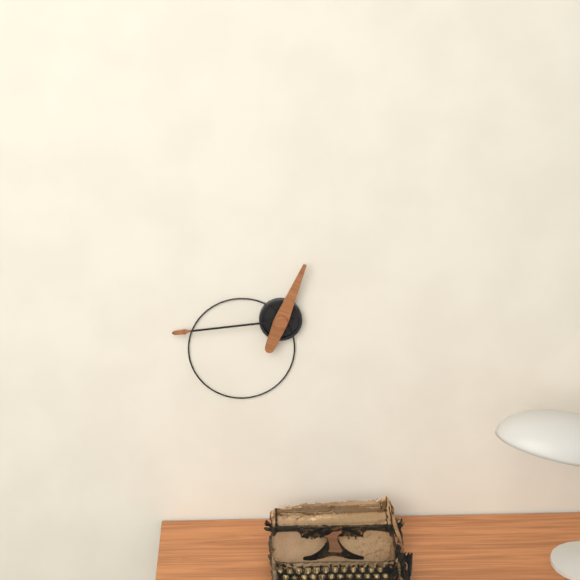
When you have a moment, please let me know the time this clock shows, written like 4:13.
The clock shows 12:44
